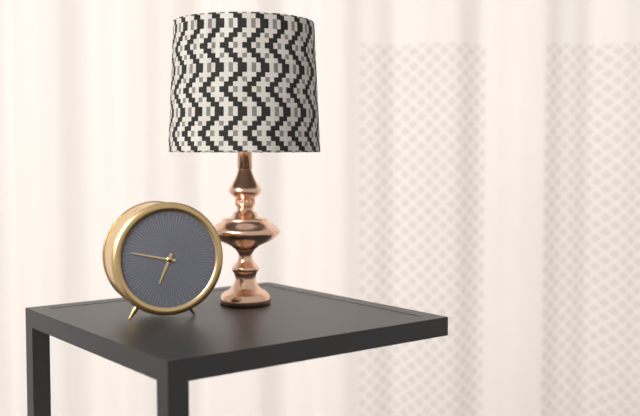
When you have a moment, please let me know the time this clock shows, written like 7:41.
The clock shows 6:47
